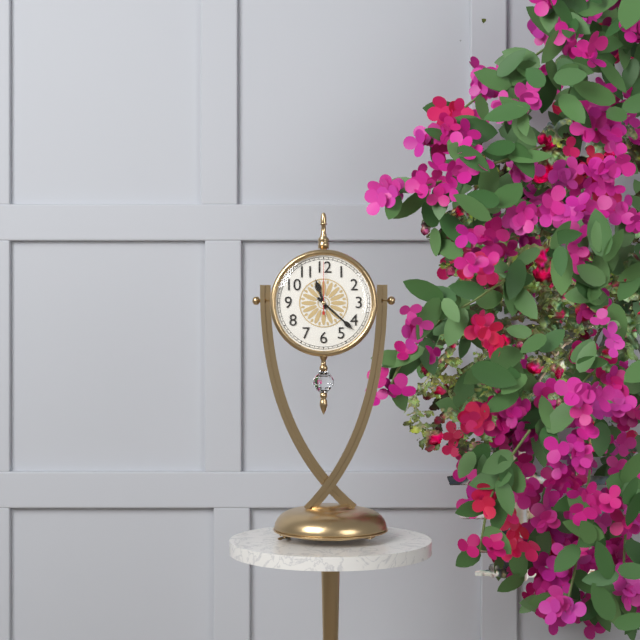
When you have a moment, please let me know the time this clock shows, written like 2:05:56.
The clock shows 11:22:00
